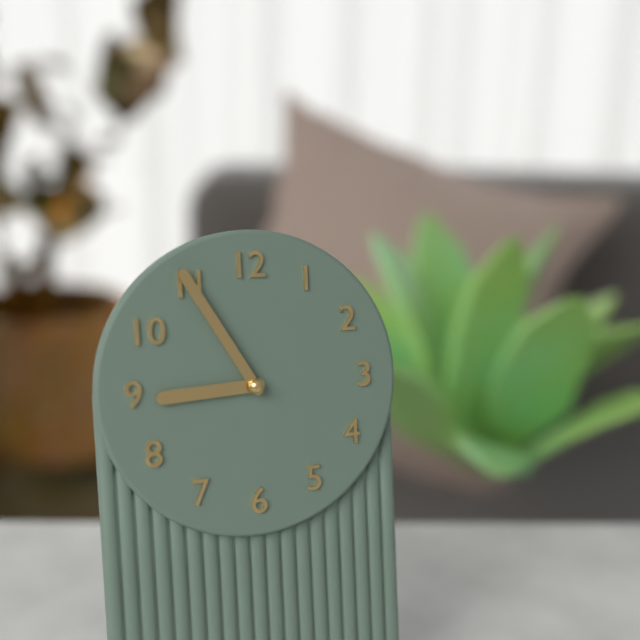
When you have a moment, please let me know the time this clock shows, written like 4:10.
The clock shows 8:55
